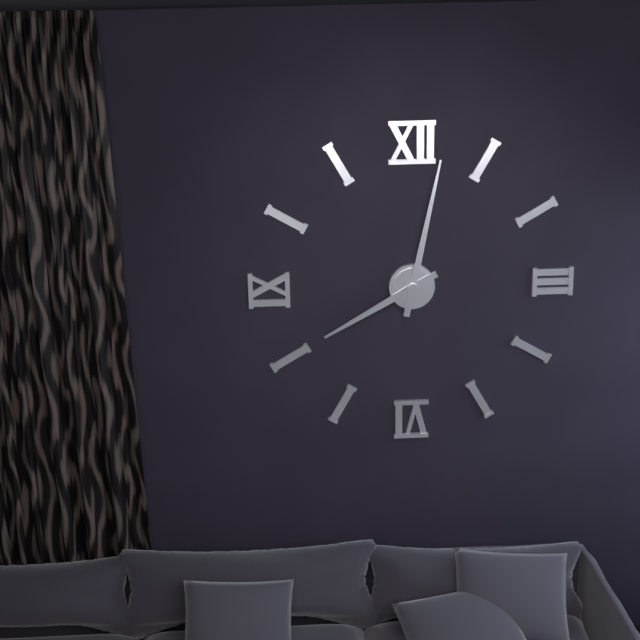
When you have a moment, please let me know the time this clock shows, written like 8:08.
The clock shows 8:02
